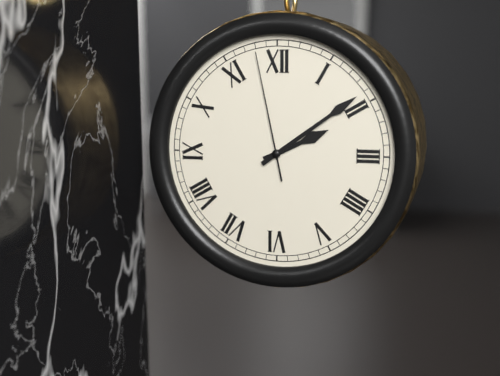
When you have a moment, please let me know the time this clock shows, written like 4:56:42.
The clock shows 2:09:58
